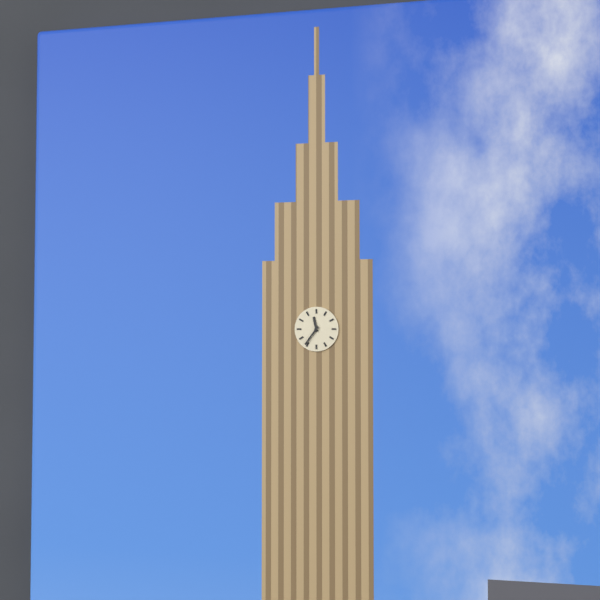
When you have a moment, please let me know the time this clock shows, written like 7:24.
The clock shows 11:36
